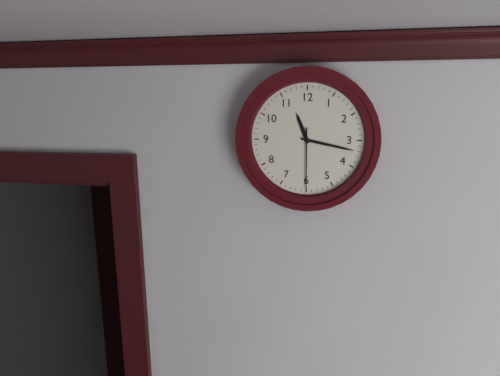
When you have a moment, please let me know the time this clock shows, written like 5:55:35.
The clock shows 11:17:30
